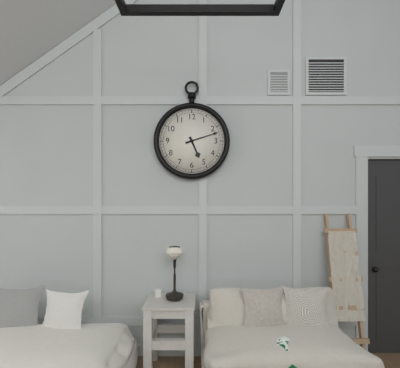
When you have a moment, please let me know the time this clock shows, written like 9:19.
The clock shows 5:12
